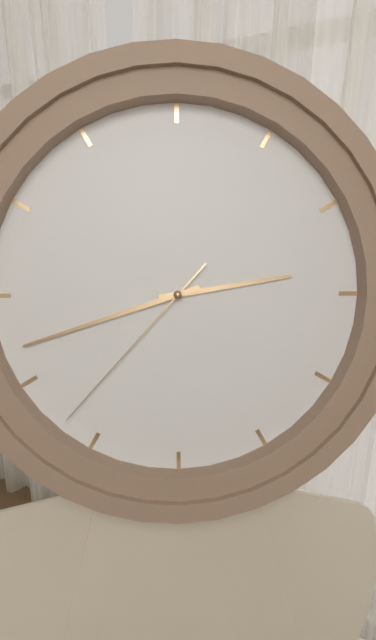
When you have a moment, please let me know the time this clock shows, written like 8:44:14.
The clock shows 2:42:37
